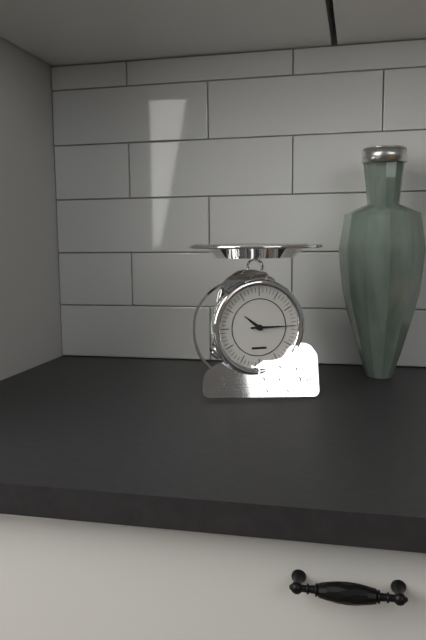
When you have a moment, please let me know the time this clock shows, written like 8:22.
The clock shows 10:15
